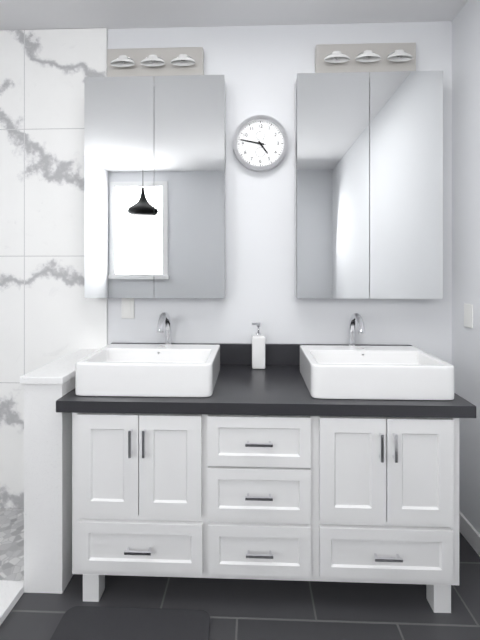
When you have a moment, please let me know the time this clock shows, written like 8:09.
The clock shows 4:47
